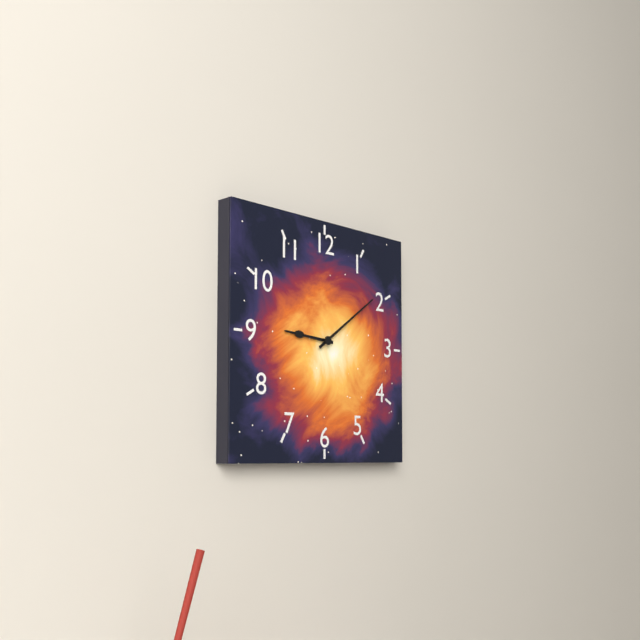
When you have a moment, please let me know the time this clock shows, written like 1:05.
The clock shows 9:09
